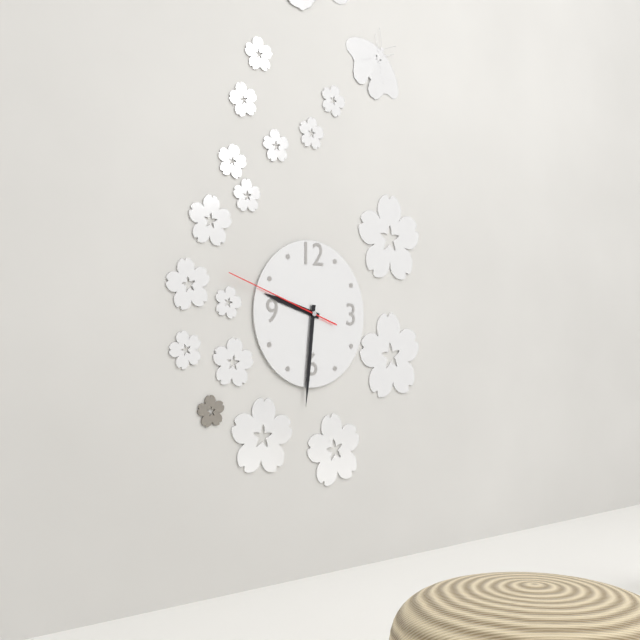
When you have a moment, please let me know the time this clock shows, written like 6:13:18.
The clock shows 9:31:48
